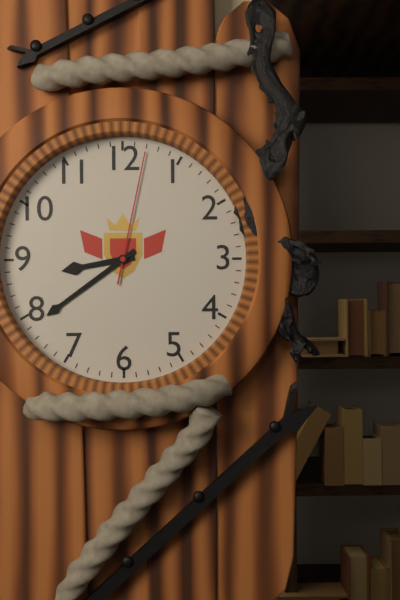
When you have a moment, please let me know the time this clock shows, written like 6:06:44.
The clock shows 8:39:02
